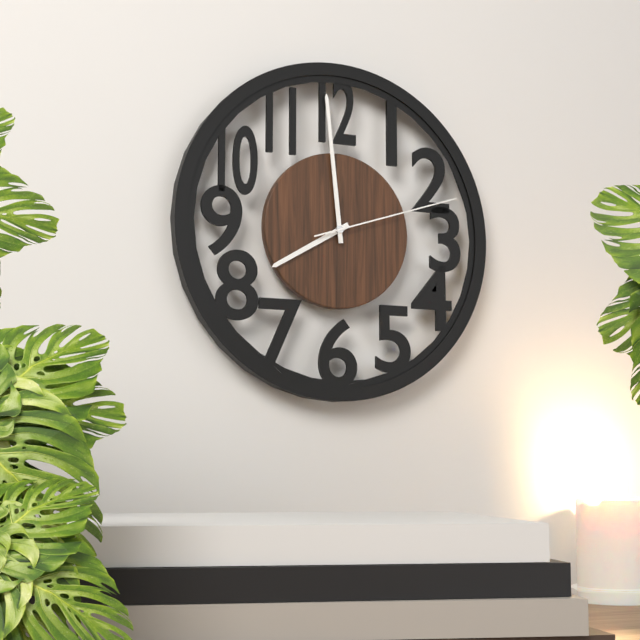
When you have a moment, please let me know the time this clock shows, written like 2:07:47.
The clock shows 7:59:12
